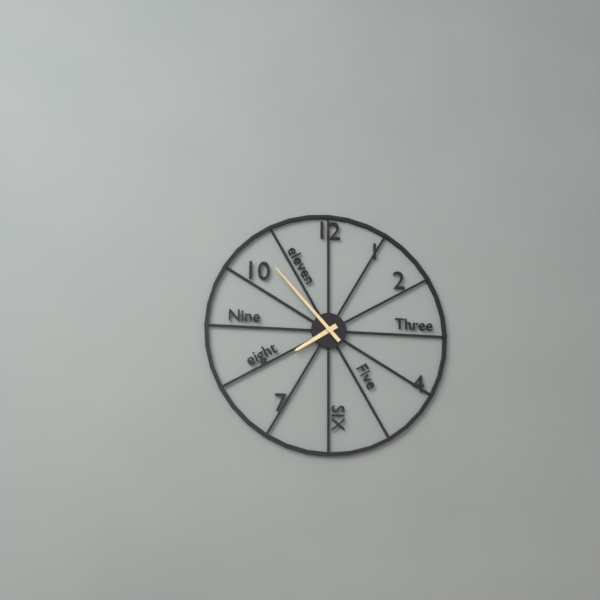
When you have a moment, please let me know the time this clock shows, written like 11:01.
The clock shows 7:53
